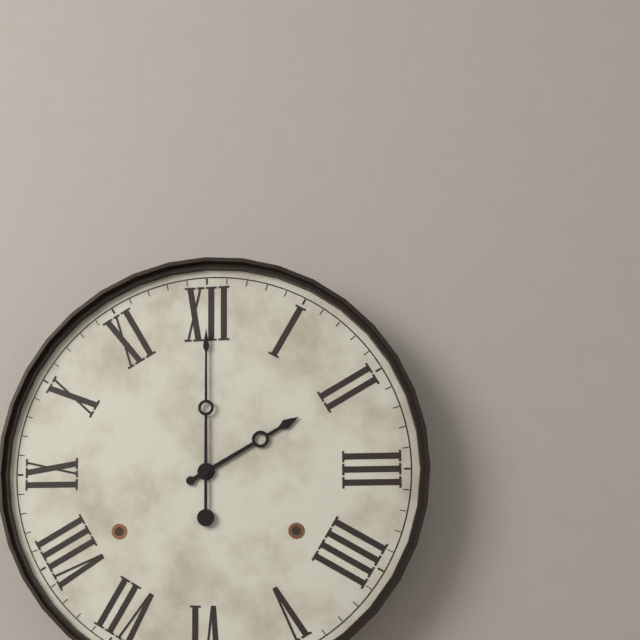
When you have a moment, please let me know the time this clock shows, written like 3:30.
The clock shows 2:00
